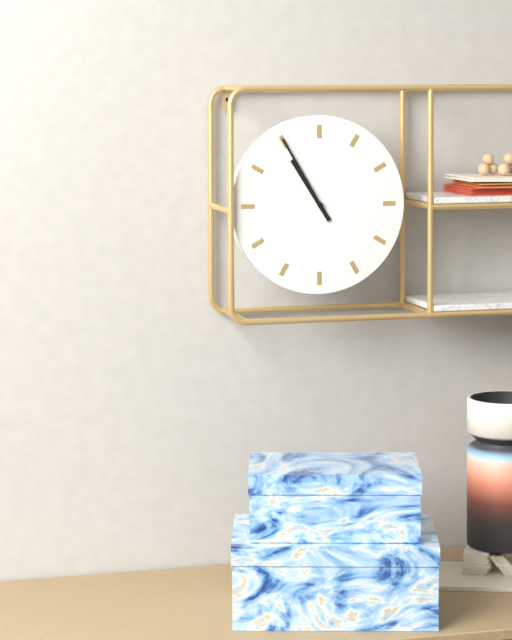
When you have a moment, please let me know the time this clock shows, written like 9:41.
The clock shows 10:55
